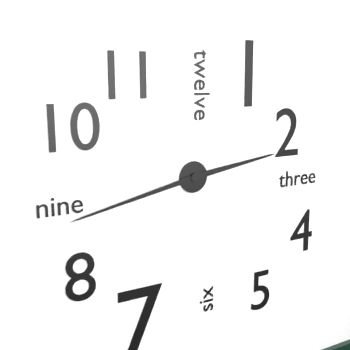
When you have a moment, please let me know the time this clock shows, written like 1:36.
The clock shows 2:43
